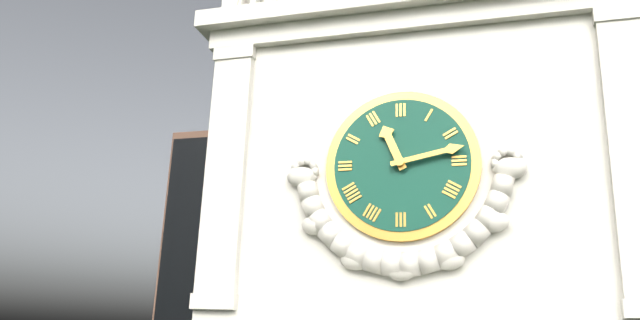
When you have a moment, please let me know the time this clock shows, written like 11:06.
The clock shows 11:13
